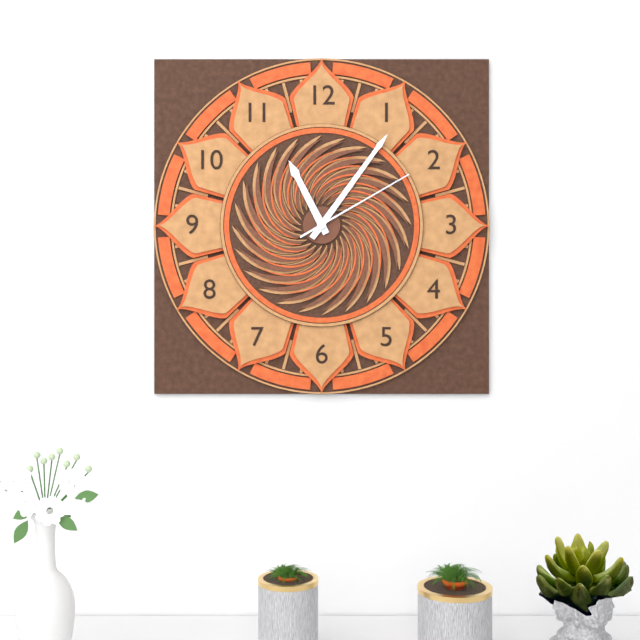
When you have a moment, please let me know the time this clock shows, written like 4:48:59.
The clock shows 11:06:10
